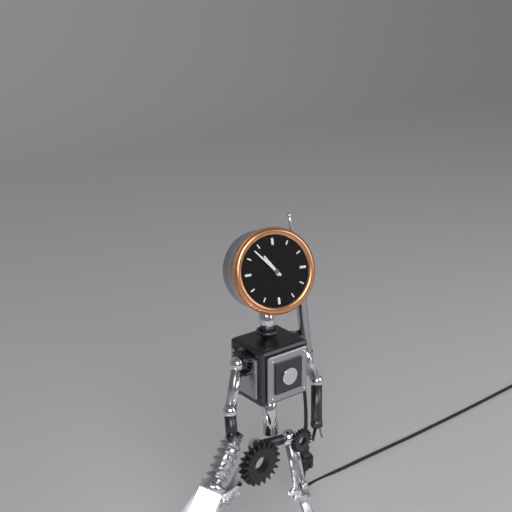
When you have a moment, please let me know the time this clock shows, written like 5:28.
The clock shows 10:53
